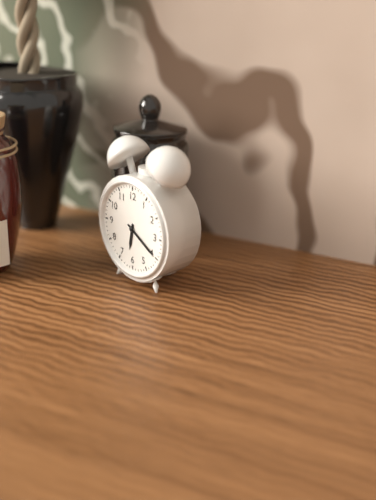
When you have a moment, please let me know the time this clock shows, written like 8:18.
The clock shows 6:20
